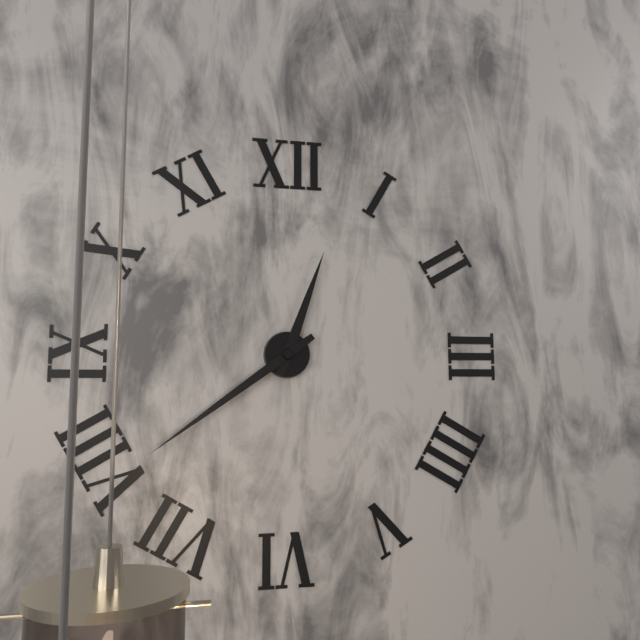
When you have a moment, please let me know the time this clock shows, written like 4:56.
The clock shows 12:39
